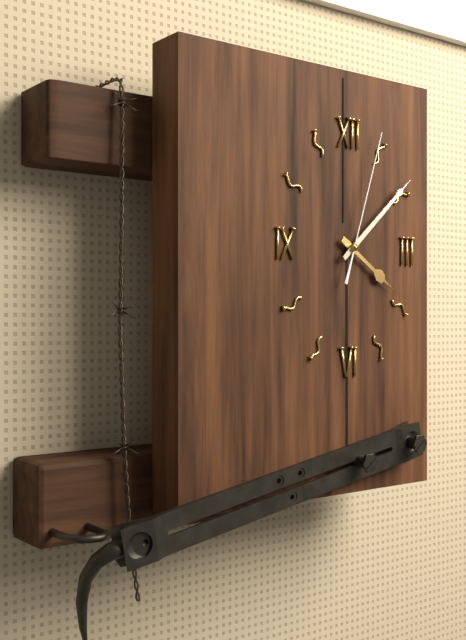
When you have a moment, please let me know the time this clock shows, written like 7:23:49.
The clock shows 4:08:03
